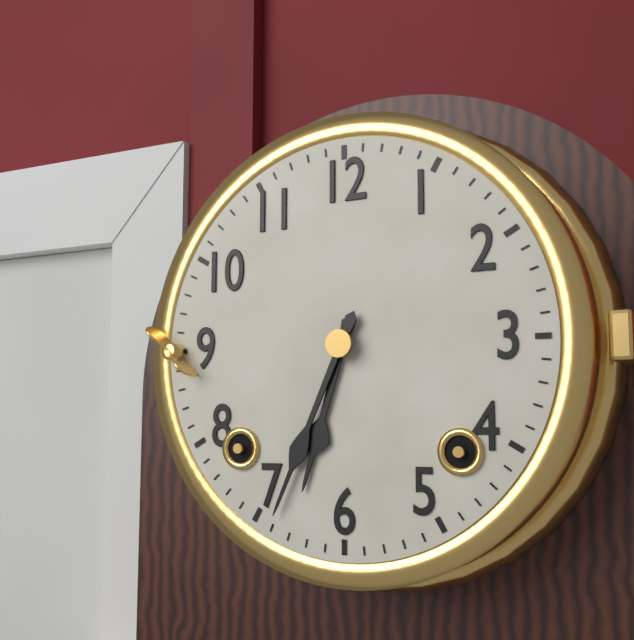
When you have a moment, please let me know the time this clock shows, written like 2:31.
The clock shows 6:34
